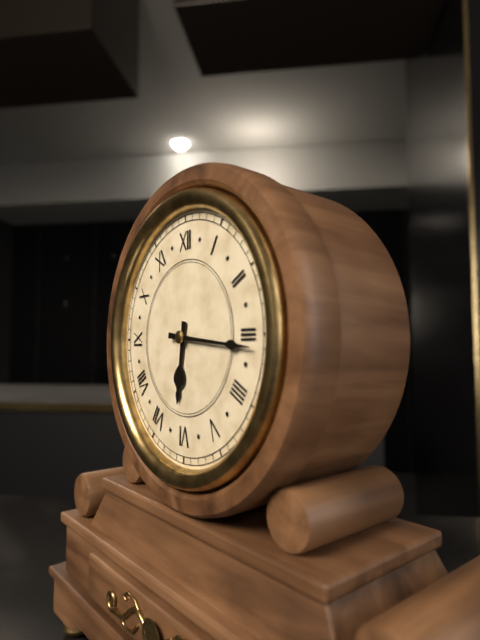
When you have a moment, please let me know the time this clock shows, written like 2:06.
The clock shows 6:16
